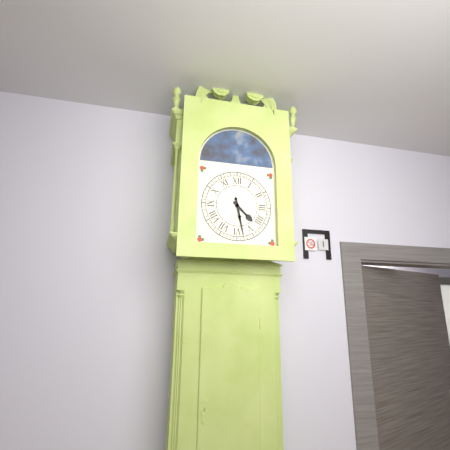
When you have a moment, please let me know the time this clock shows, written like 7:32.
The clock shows 4:28
